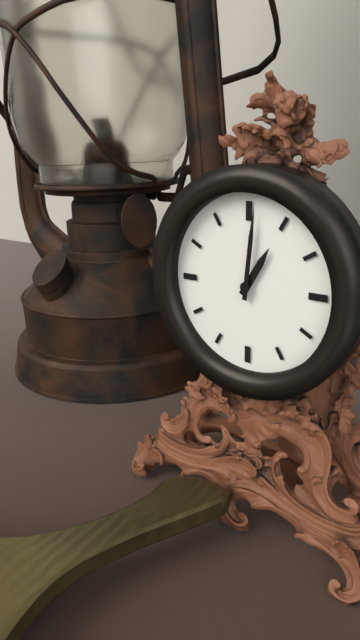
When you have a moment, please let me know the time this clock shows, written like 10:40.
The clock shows 1:01
